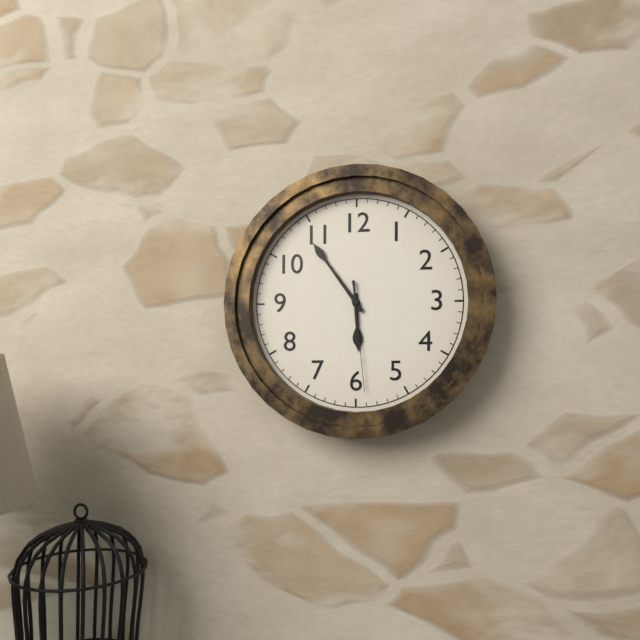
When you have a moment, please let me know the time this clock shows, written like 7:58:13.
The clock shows 5:54:29
